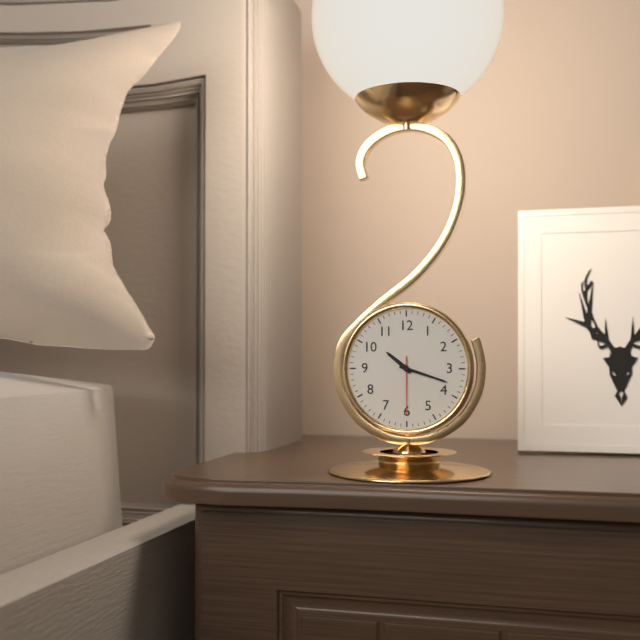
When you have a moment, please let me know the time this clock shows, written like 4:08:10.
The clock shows 10:18:30
